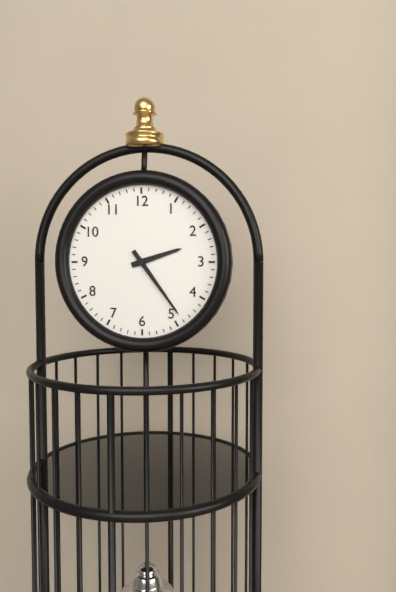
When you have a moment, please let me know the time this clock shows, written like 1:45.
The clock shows 2:24
